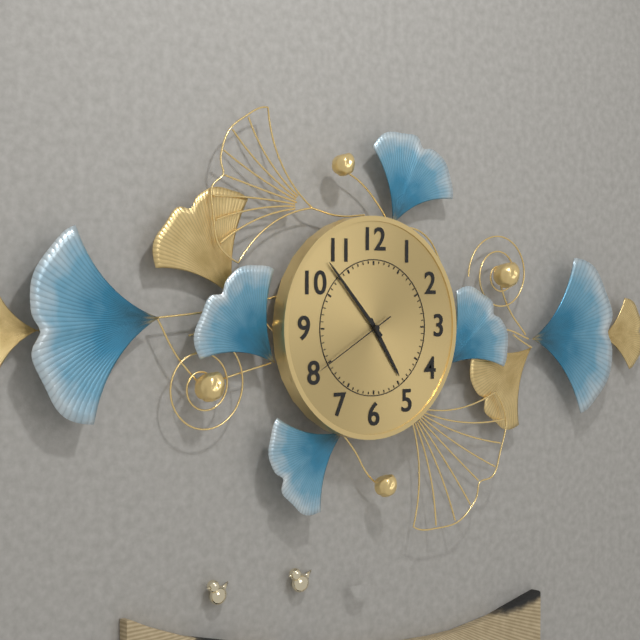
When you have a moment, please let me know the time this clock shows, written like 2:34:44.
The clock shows 4:53:40
